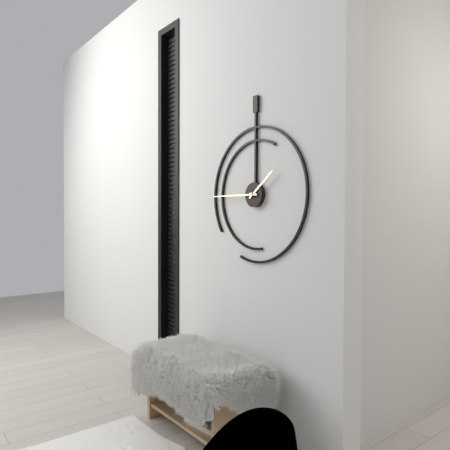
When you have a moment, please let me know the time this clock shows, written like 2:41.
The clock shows 1:45
